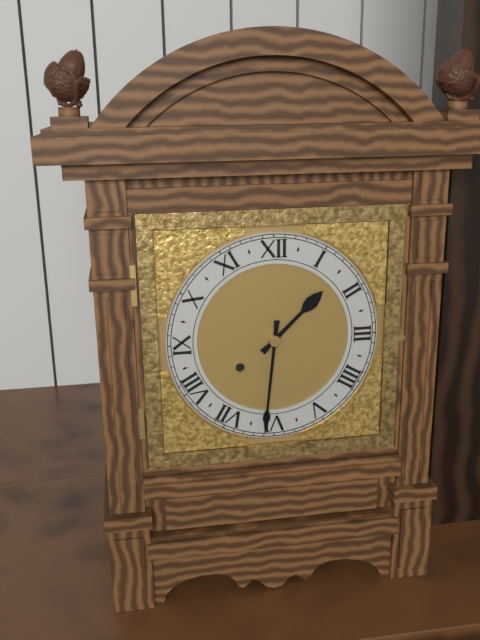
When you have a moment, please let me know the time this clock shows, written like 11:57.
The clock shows 1:31
